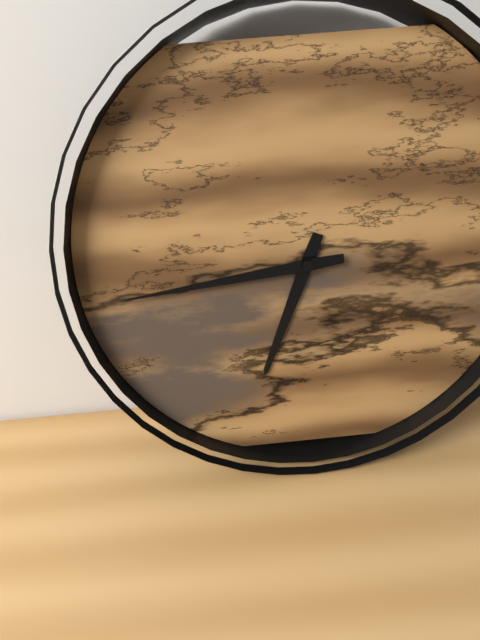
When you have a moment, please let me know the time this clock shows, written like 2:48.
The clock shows 6:44
